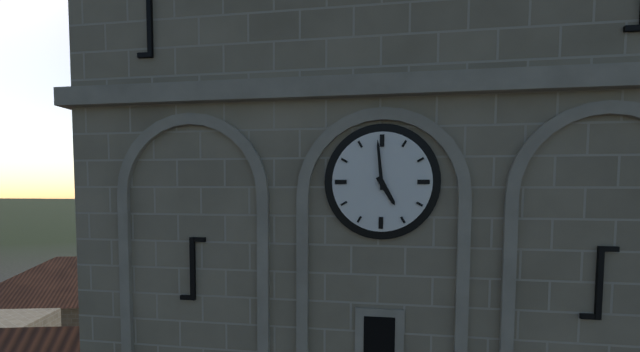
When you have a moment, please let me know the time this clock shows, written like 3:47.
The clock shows 4:59
